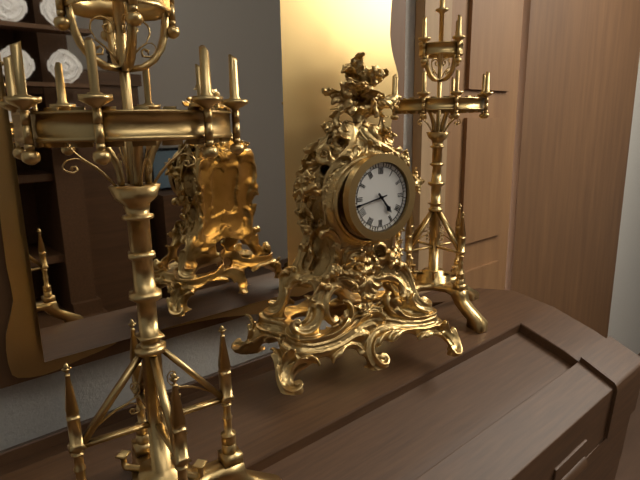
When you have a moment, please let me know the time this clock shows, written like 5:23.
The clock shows 4:43
